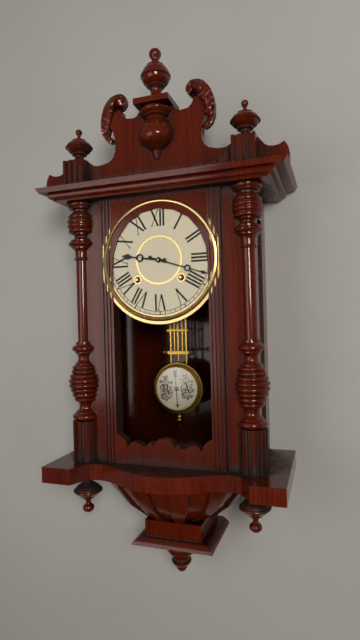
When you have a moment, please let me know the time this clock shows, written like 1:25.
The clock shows 9:18
